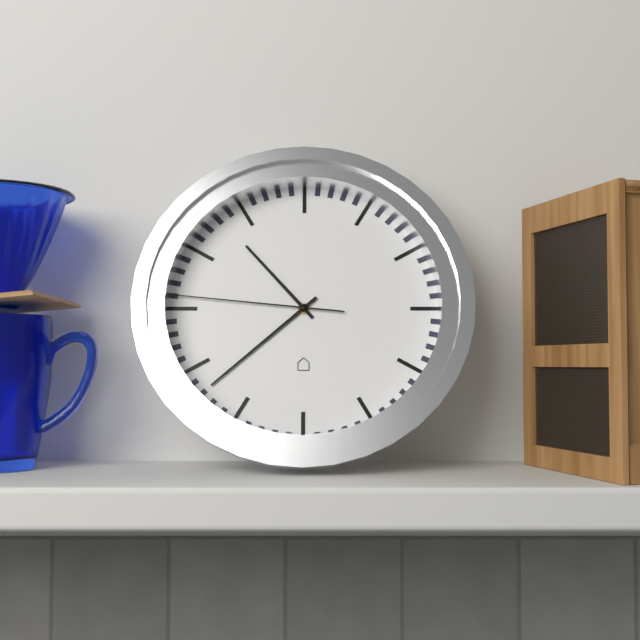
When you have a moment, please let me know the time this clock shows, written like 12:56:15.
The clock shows 10:38:46
